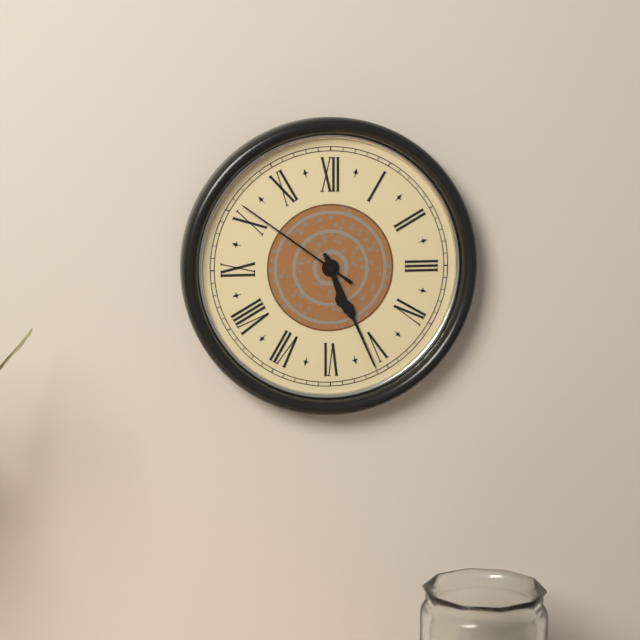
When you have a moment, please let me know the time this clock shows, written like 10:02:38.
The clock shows 5:26:51
